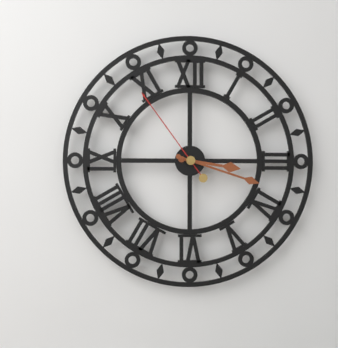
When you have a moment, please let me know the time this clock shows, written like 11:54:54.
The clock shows 3:18:54
